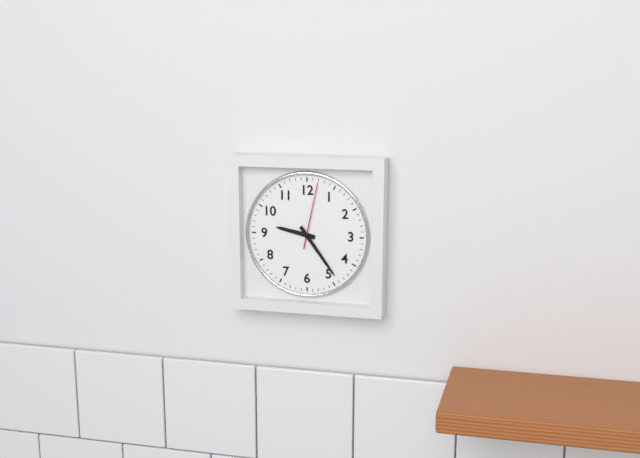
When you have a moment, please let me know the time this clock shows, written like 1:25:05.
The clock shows 9:24:02
